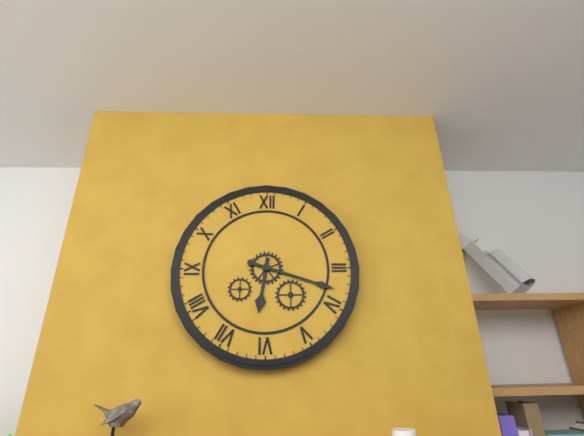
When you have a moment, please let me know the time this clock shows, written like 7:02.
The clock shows 6:18
